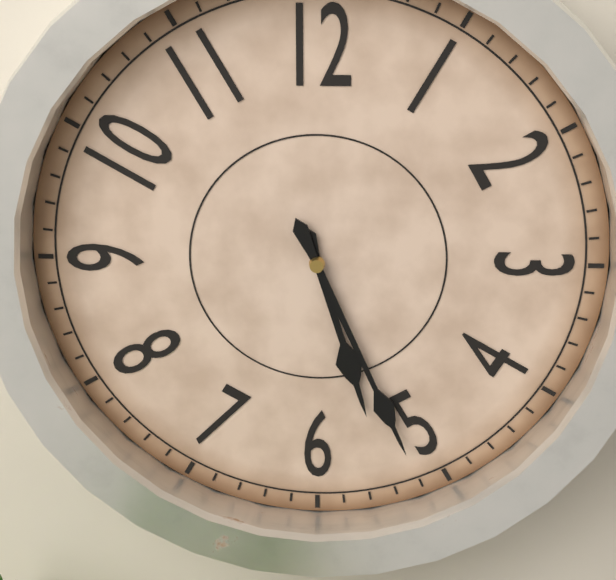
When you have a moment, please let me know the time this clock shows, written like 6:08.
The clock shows 5:26
